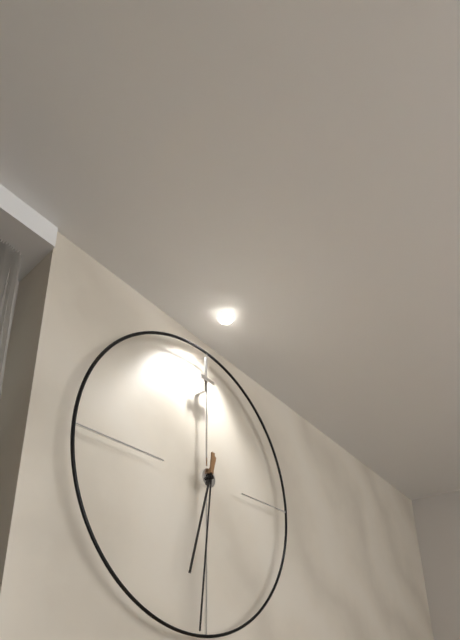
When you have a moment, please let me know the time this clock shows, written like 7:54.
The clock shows 6:31
